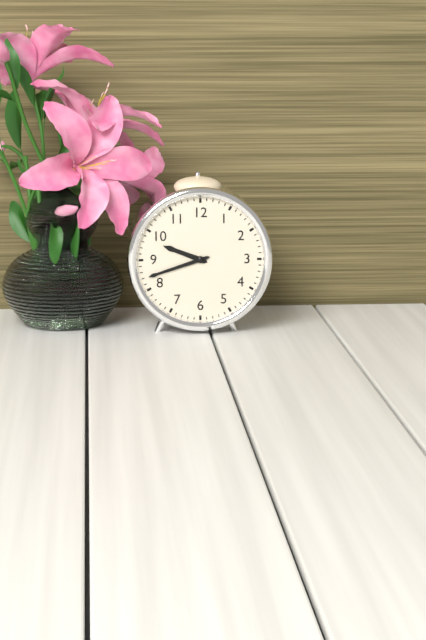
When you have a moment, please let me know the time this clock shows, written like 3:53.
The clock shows 9:42
